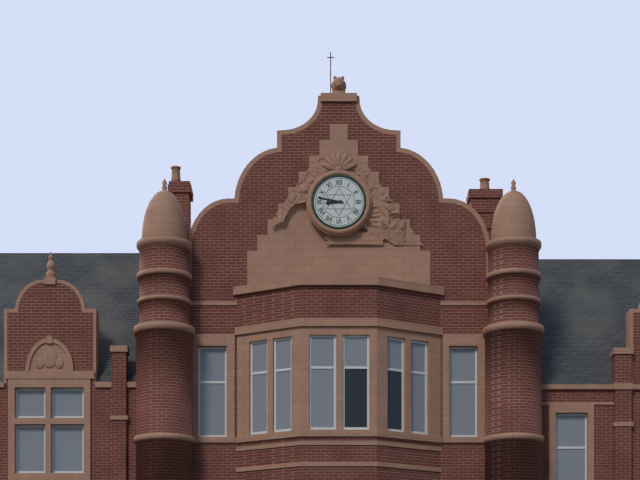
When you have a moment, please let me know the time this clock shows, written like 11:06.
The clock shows 8:47
